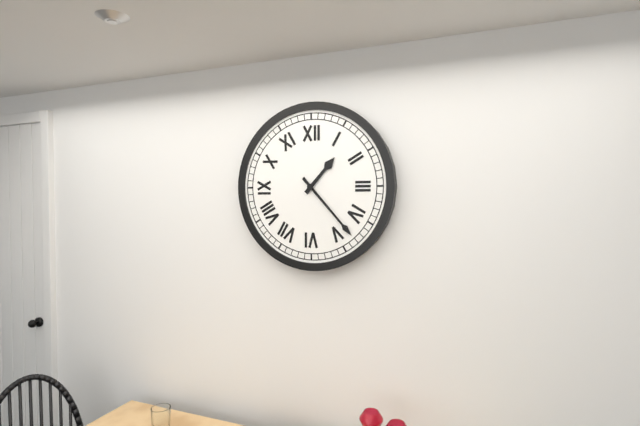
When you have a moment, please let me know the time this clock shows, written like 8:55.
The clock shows 1:23
